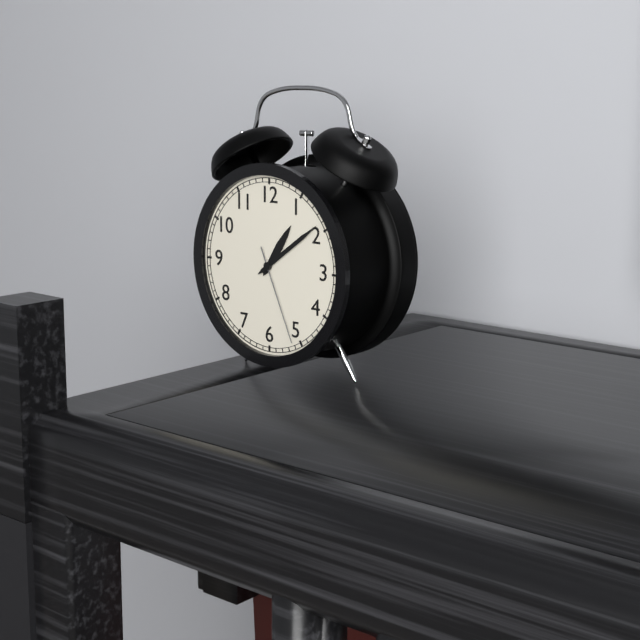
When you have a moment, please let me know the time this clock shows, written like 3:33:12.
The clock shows 1:09:26
